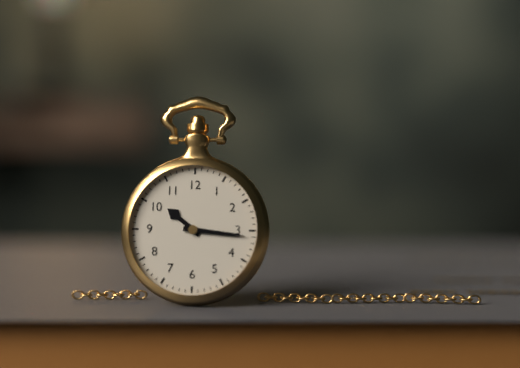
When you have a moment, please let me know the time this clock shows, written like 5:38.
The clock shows 10:16
